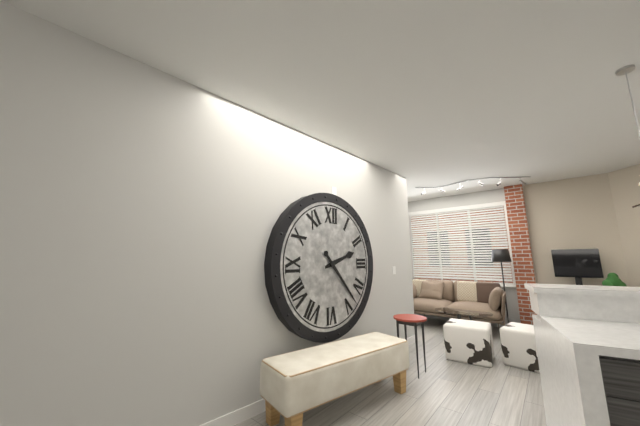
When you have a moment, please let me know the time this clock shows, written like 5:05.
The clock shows 2:23
